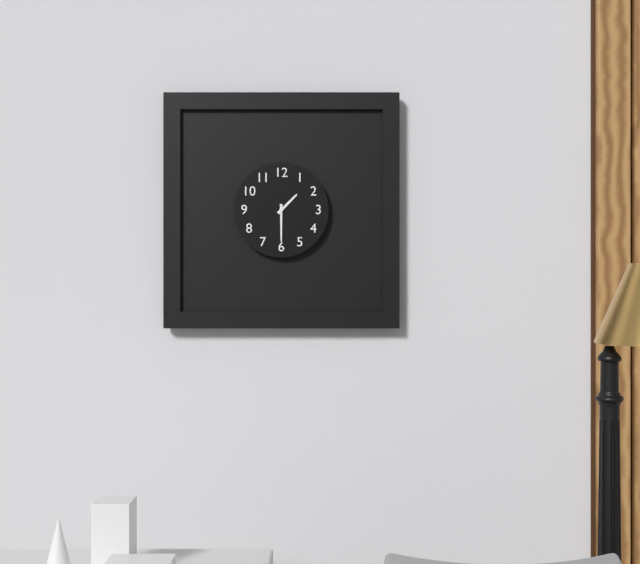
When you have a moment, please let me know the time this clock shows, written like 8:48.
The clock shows 1:30
